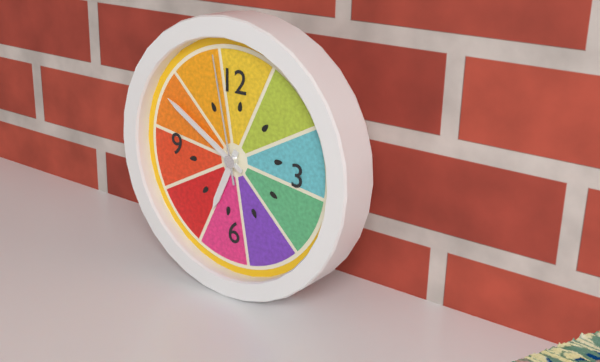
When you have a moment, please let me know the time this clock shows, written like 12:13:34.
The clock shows 6:50:58
